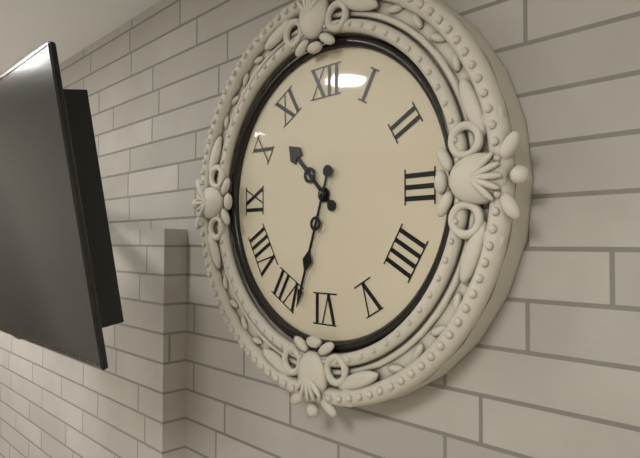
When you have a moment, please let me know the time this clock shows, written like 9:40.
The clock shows 10:33
